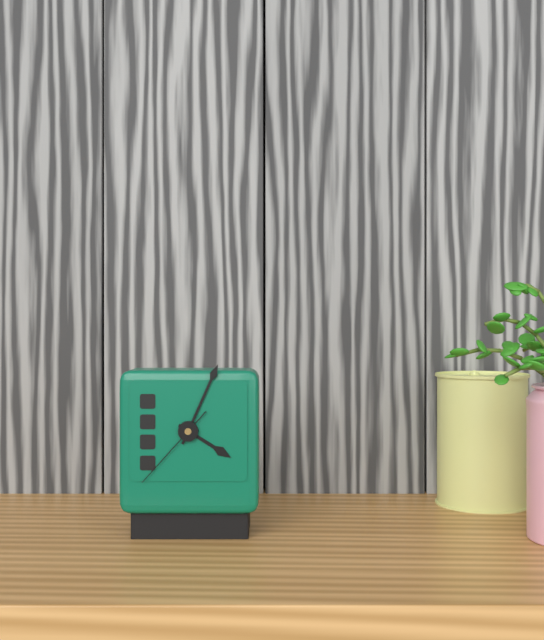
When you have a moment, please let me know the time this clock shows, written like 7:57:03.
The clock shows 4:04:37
